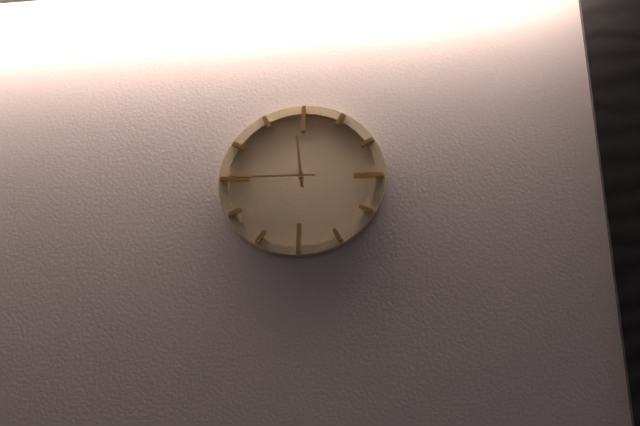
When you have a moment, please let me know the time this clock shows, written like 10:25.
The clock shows 11:45
